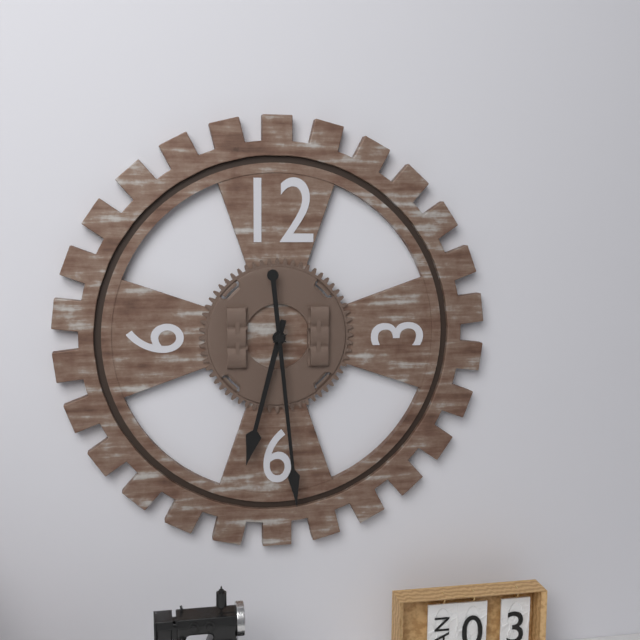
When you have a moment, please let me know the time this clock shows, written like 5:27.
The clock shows 6:29
